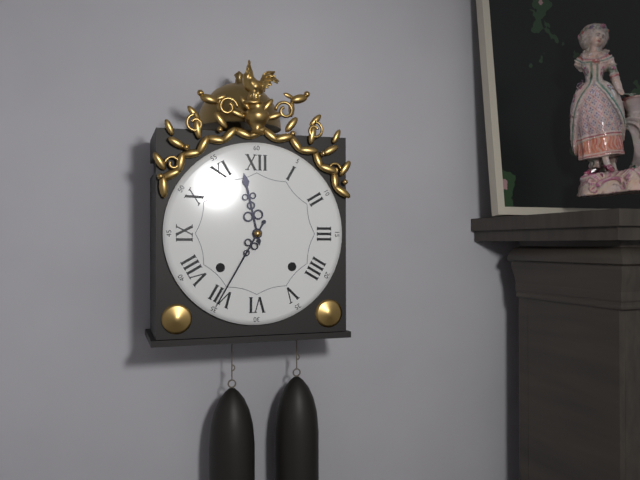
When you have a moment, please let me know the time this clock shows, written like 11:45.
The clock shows 11:35
